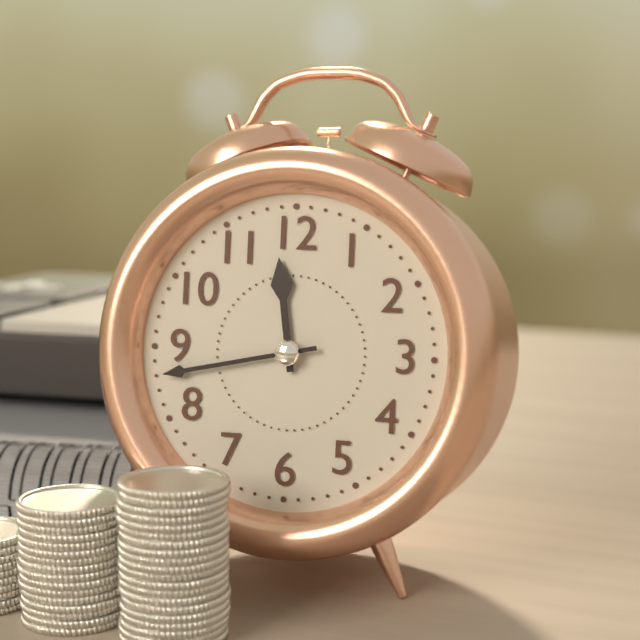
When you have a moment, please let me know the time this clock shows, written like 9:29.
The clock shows 11:43
